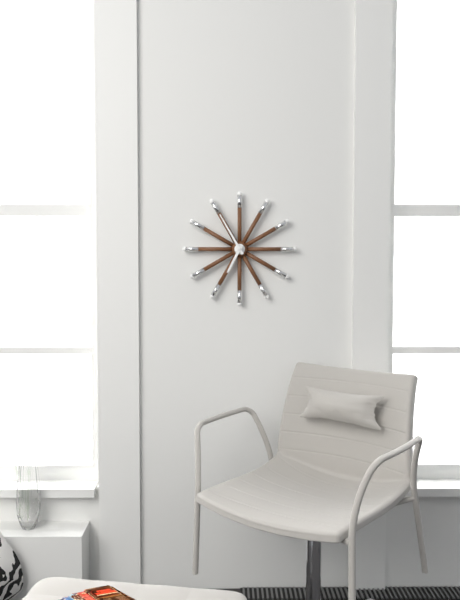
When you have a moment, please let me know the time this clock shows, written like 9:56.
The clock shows 6:55
